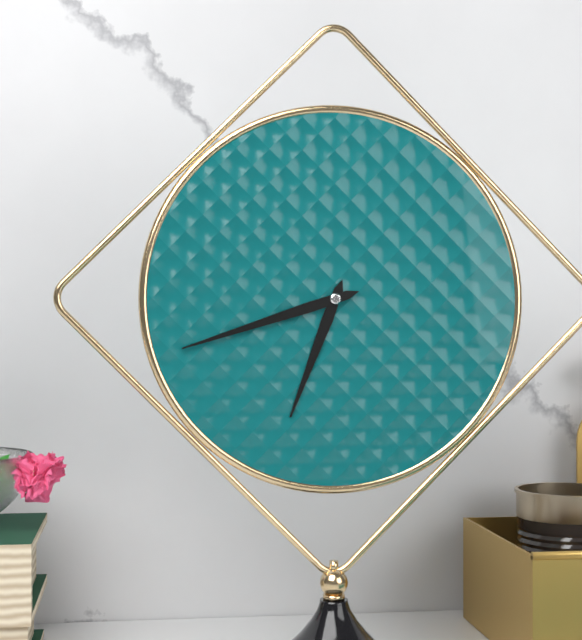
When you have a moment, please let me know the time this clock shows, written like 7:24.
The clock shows 6:42
